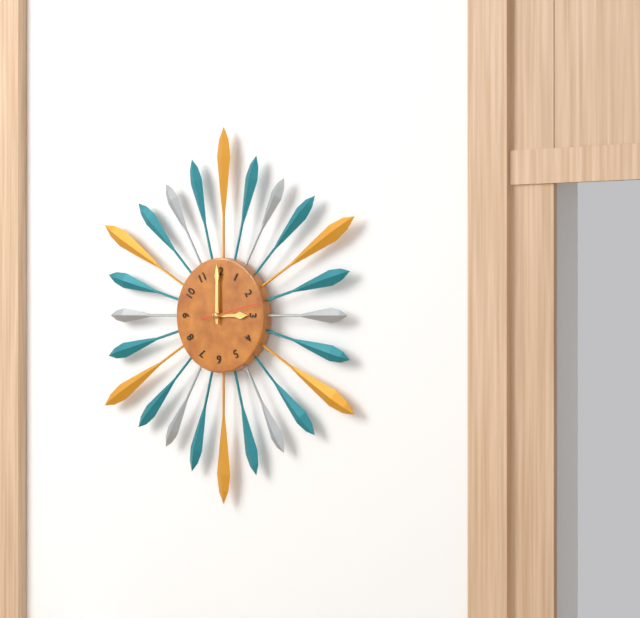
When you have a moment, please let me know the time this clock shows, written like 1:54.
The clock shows 3:00
